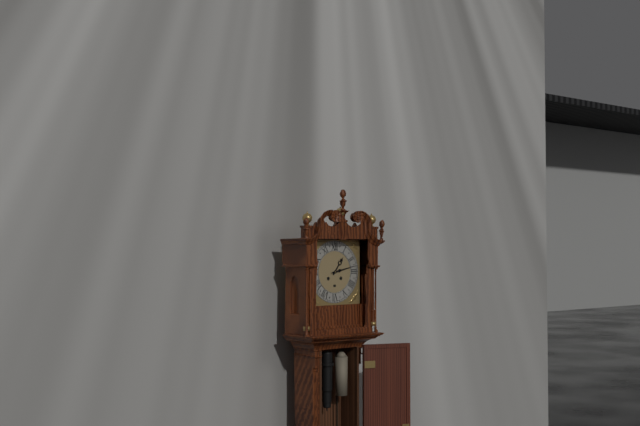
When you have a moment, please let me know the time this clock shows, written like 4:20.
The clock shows 1:13
